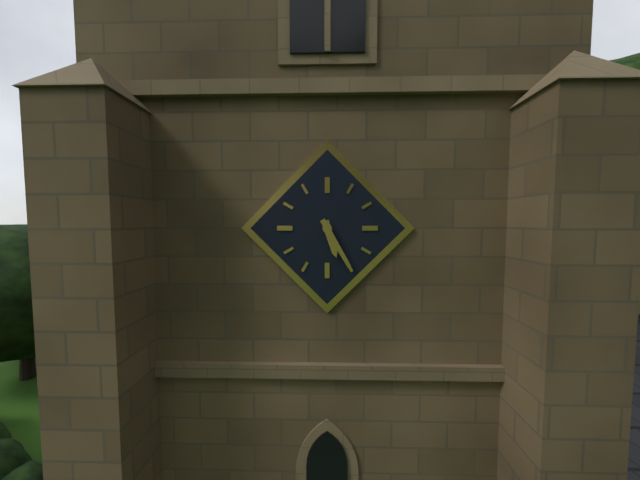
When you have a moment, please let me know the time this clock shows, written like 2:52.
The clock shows 5:25
